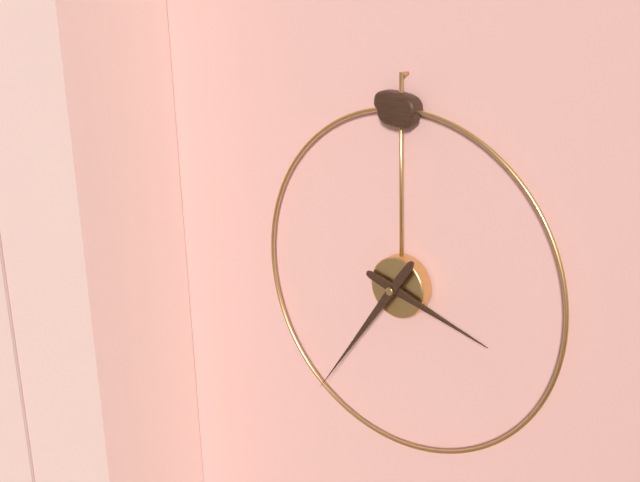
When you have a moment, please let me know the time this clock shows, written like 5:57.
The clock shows 3:36
